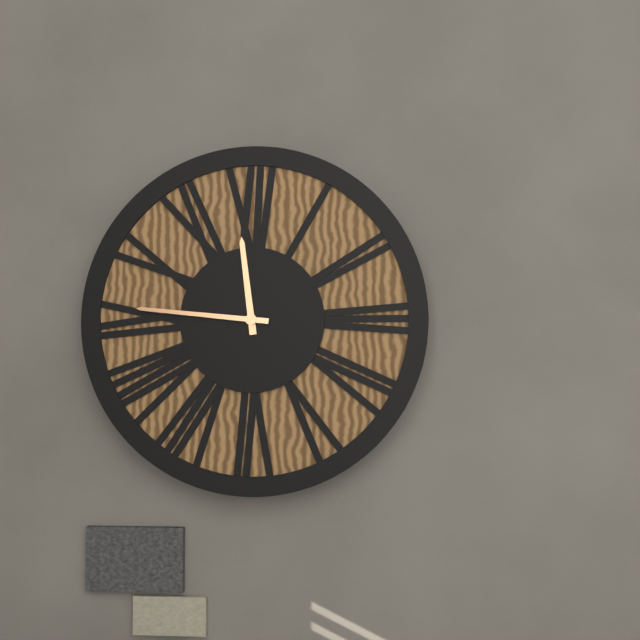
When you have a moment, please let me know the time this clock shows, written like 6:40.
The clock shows 11:46
